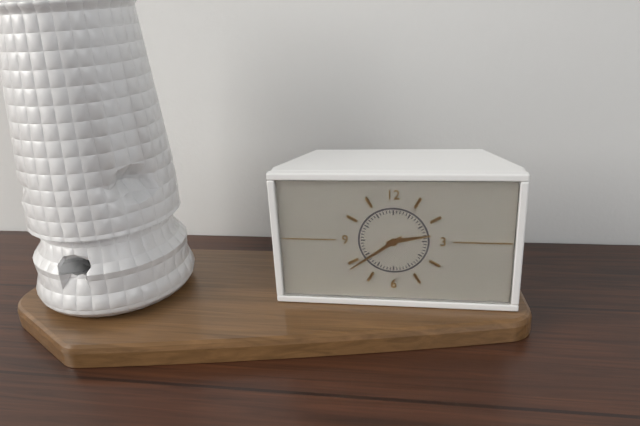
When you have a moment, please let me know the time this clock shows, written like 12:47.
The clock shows 2:39
